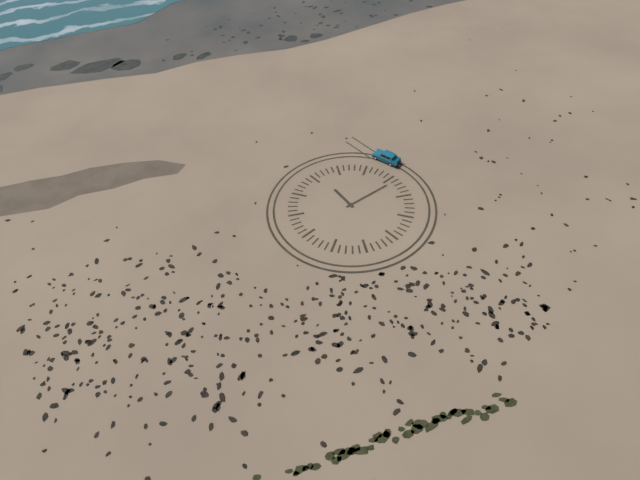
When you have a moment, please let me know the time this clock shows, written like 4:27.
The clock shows 12:16
